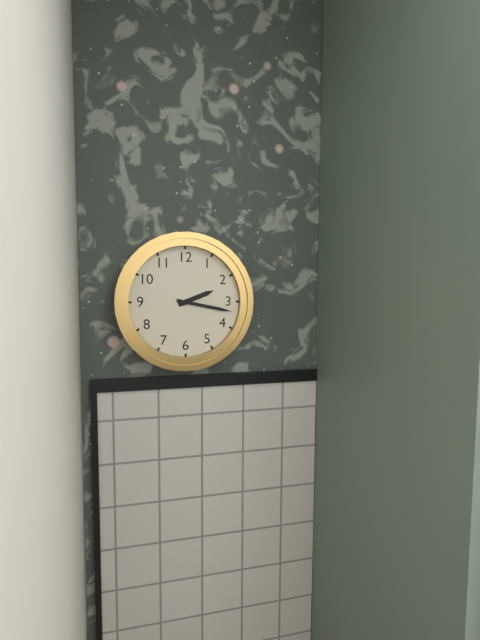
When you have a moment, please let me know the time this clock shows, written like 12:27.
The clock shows 2:17
